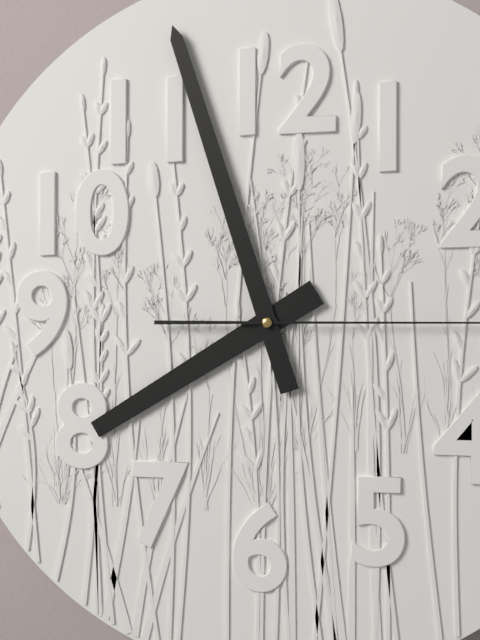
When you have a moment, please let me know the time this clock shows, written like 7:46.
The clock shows 7:57
